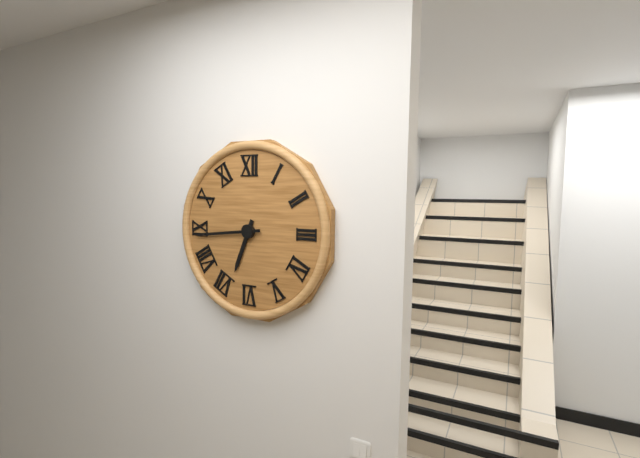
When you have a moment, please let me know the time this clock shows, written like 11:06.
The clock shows 6:44
